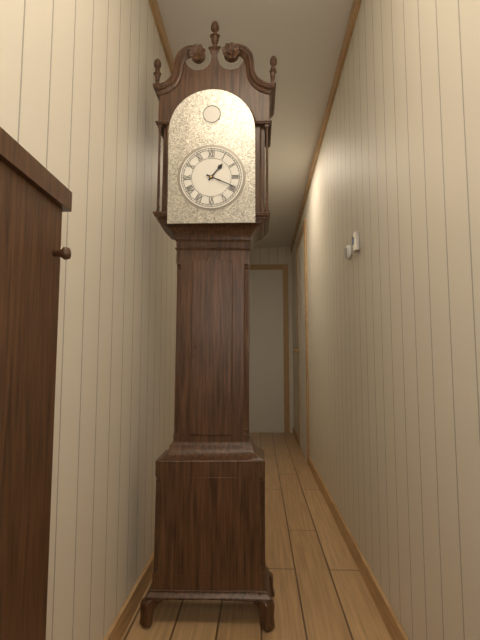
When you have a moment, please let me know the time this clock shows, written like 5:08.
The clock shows 1:19
